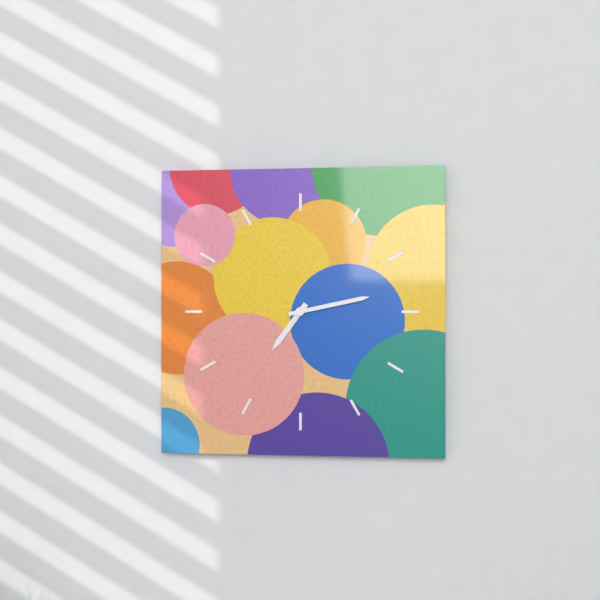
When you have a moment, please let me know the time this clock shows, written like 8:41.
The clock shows 7:13
